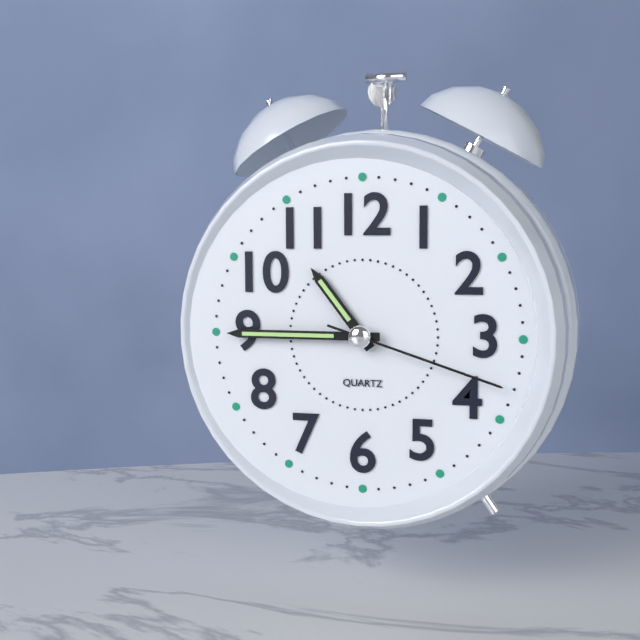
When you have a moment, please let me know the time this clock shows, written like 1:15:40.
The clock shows 10:45:18
